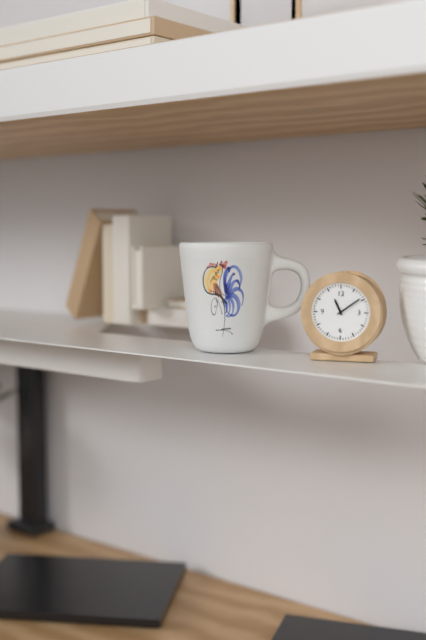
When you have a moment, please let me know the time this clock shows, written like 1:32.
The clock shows 11:09
